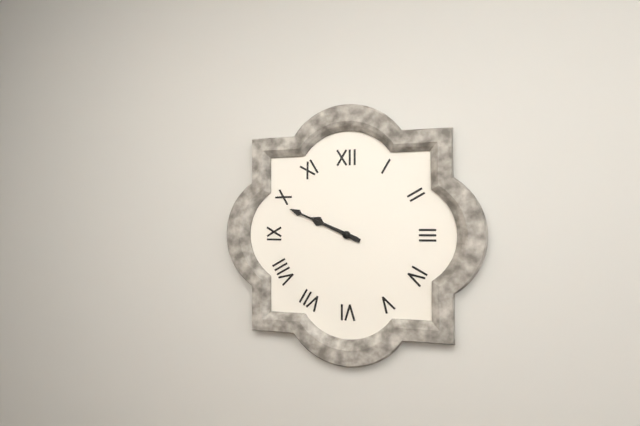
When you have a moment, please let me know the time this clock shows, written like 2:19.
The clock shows 9:49
